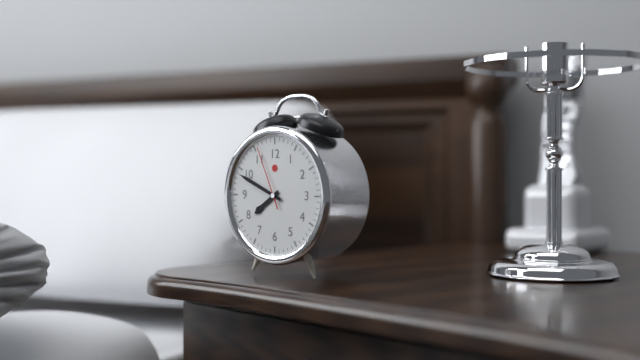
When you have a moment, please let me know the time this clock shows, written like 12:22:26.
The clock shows 7:49:56
